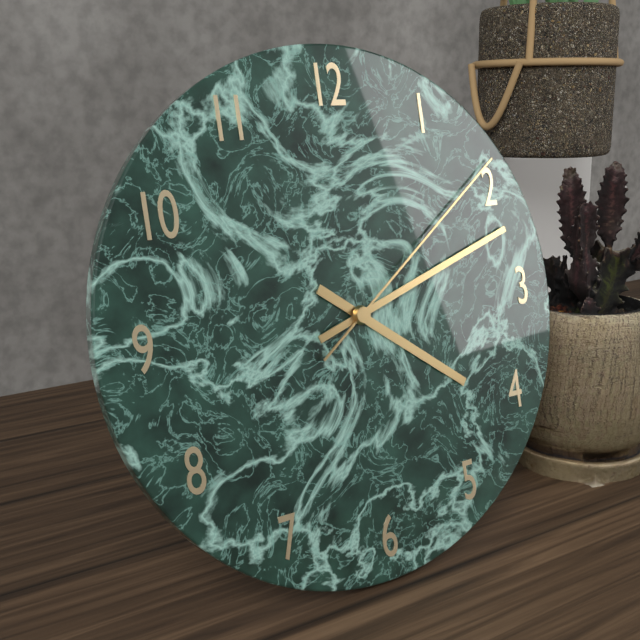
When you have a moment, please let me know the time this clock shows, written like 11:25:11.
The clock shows 4:12:09
